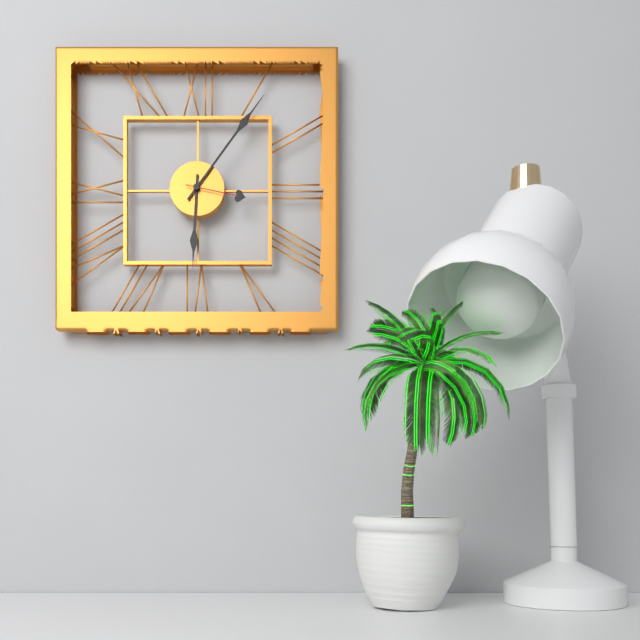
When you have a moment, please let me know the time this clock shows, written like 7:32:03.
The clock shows 6:06:17
